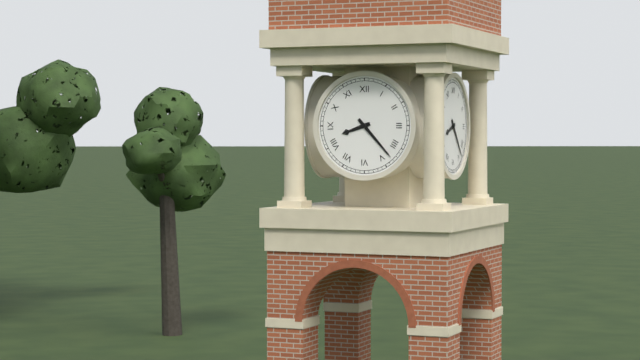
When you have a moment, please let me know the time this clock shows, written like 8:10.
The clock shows 8:23
